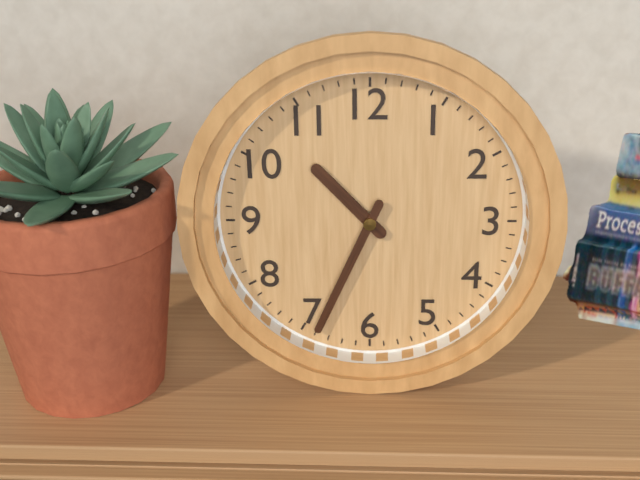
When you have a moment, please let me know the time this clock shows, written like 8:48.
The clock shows 10:34
